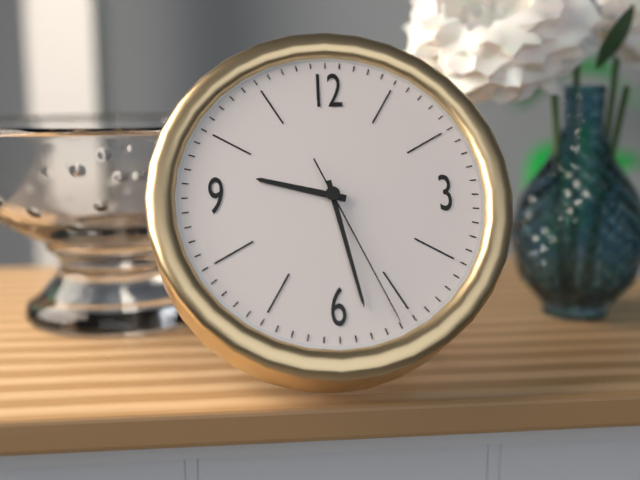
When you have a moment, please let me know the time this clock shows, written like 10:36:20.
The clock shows 9:28:26
